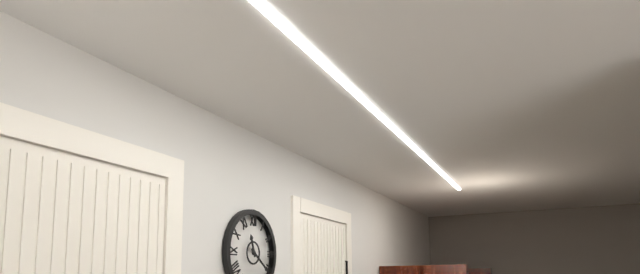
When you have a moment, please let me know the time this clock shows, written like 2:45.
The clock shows 11:21
